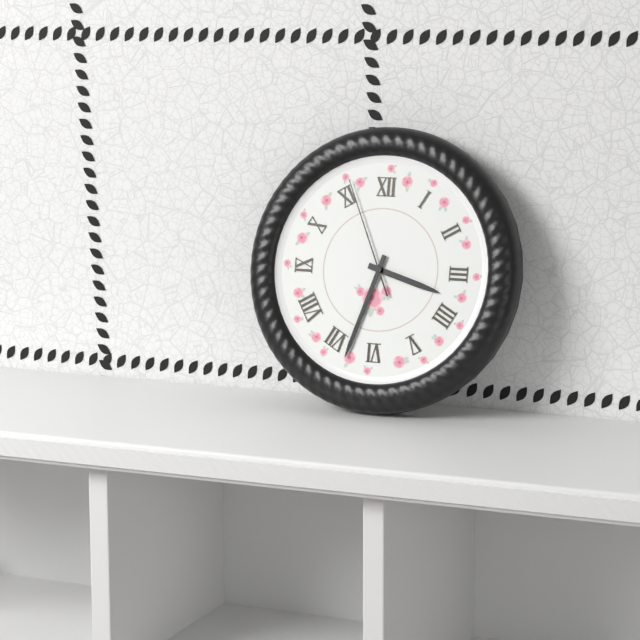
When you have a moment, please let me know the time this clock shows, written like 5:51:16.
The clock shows 3:33:56
